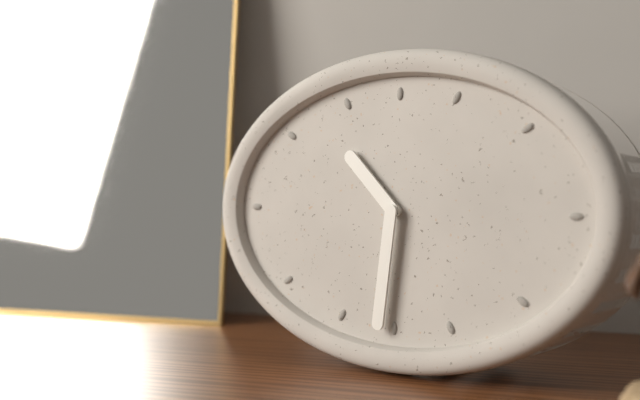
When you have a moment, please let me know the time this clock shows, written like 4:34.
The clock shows 10:31
